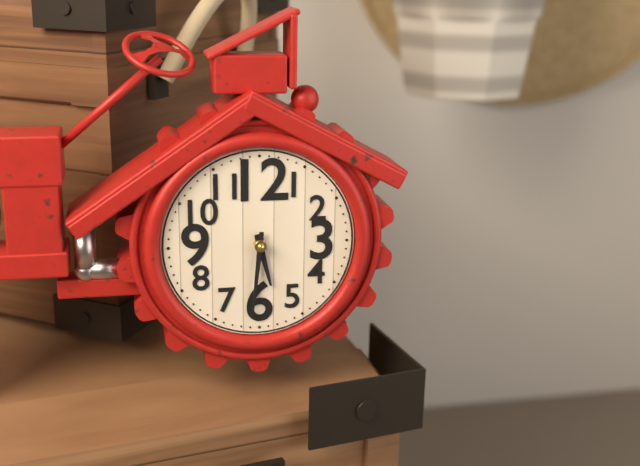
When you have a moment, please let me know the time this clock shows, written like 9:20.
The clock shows 5:31
